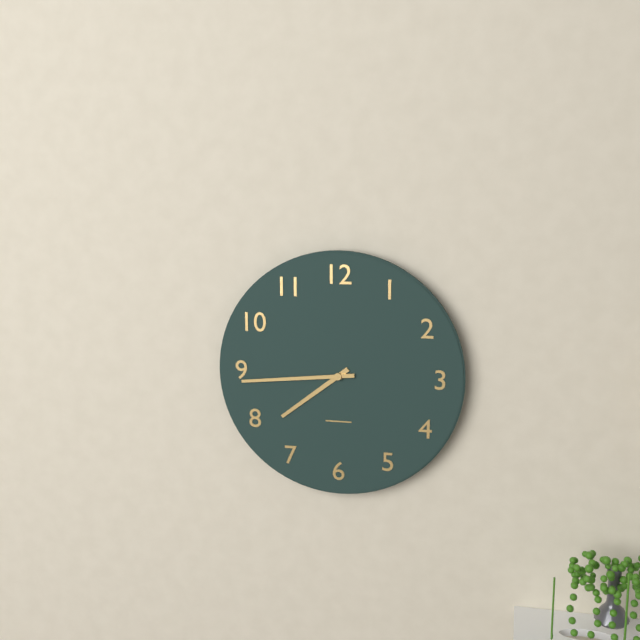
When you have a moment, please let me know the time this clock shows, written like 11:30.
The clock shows 7:44
